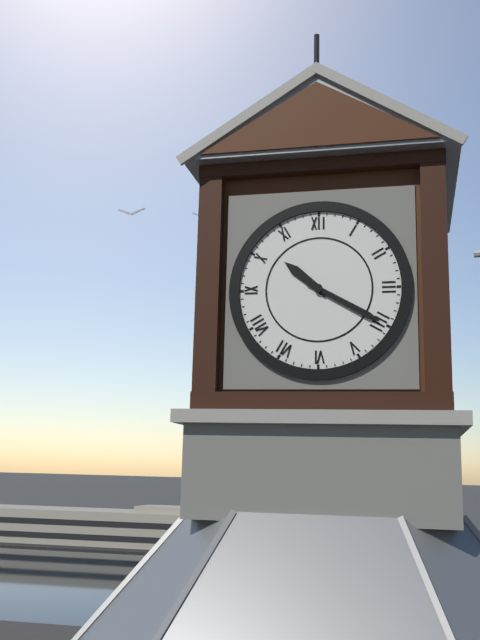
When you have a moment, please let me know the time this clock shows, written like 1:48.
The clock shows 10:20
